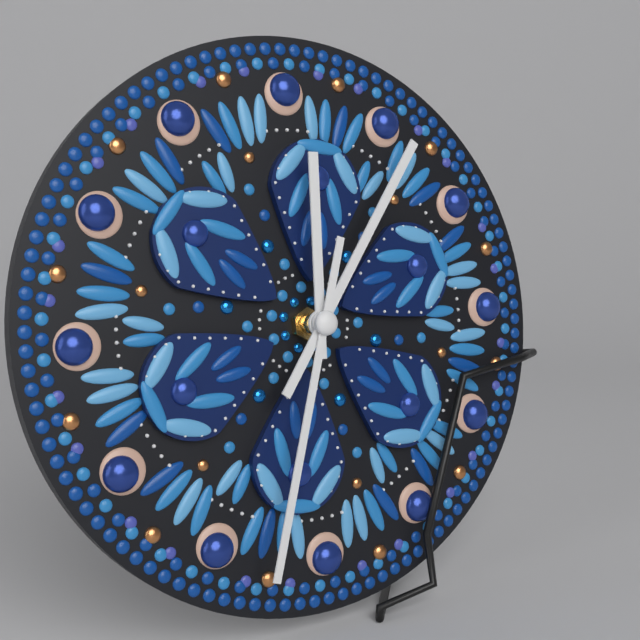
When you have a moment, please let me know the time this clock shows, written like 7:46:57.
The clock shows 12:06:33
